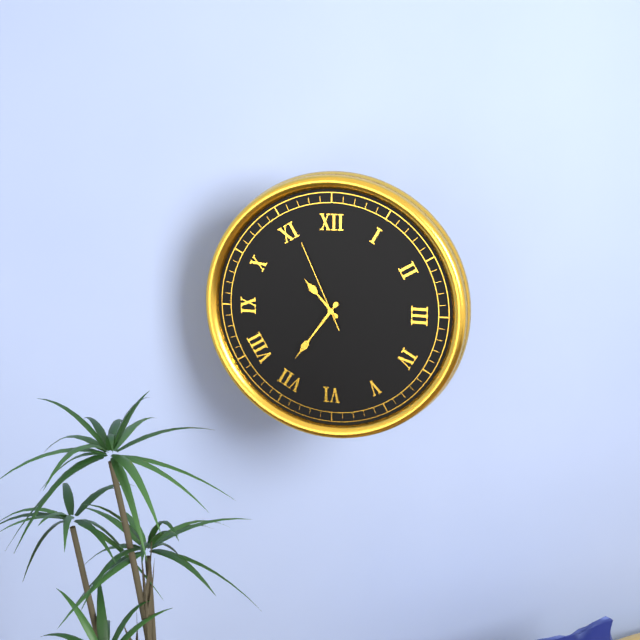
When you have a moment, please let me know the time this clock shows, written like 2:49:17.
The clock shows 10:36:56
